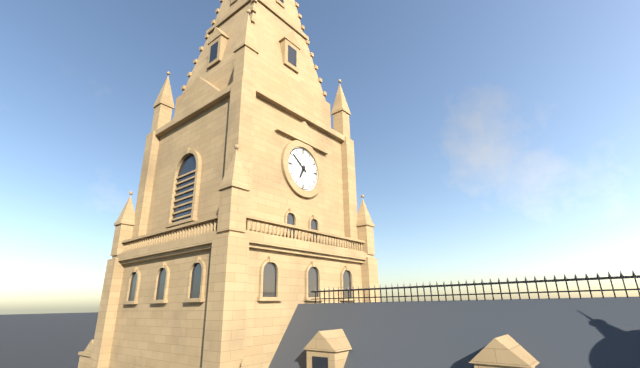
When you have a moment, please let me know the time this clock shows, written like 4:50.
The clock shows 6:51
